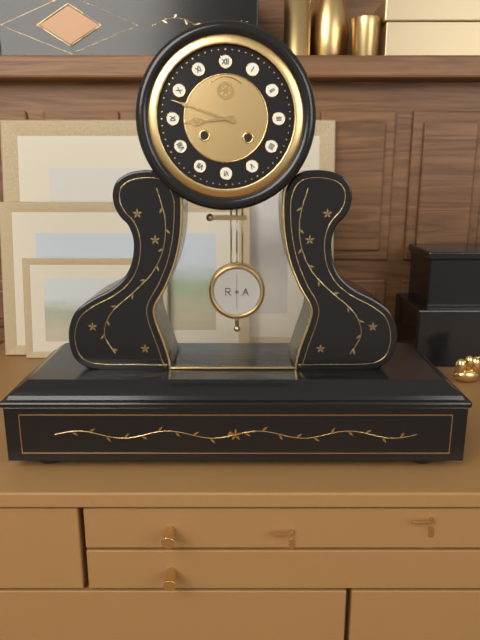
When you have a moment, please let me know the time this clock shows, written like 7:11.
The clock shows 8:48
